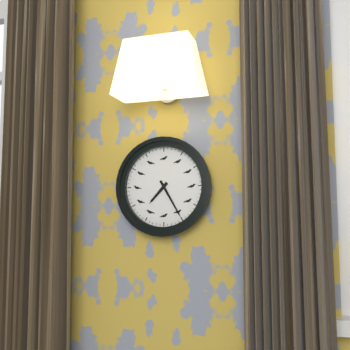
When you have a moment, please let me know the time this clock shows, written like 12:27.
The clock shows 7:25
